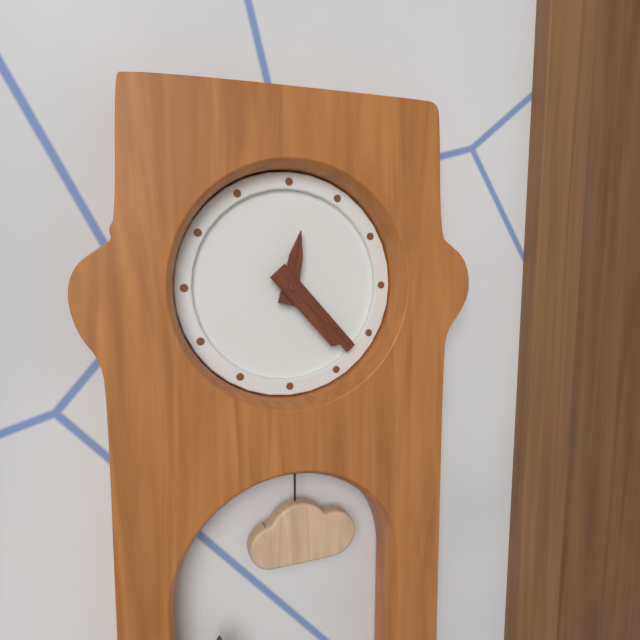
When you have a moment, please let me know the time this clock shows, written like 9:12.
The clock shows 12:23
